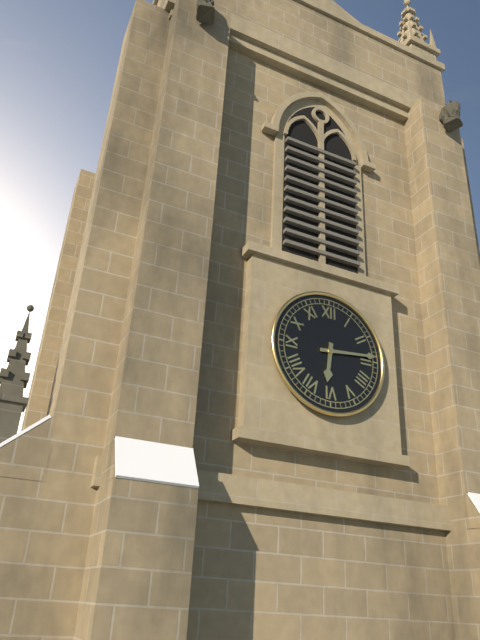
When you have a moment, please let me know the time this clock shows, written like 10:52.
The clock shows 6:14
